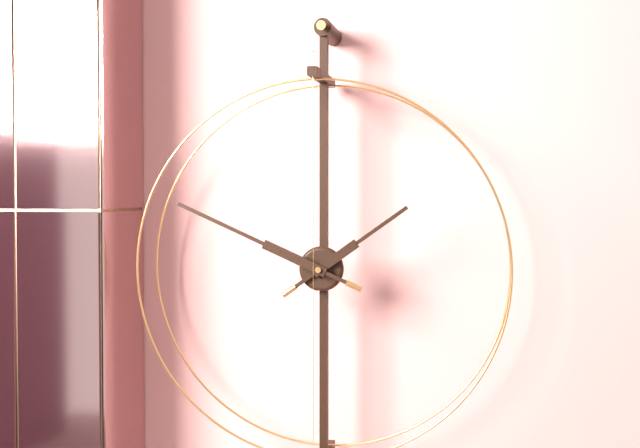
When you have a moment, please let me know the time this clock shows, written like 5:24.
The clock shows 1:49
